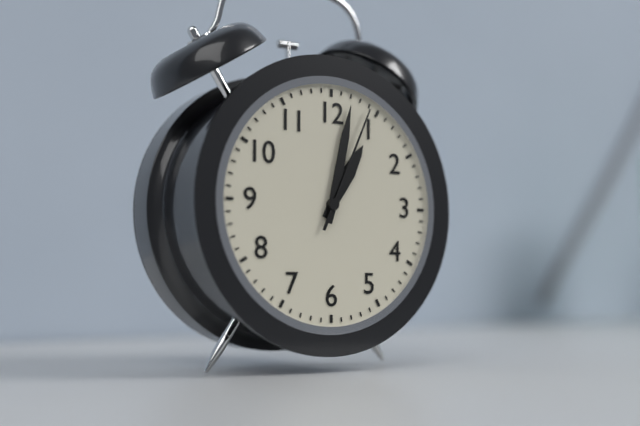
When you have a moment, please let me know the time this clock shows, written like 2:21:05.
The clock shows 1:02:04
